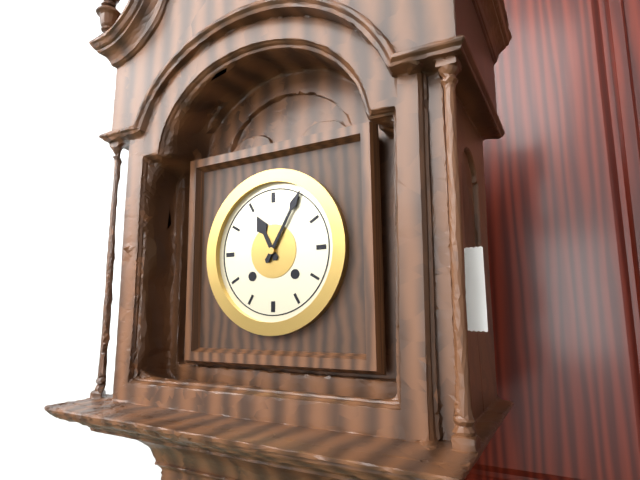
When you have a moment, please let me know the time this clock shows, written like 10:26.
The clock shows 11:05
